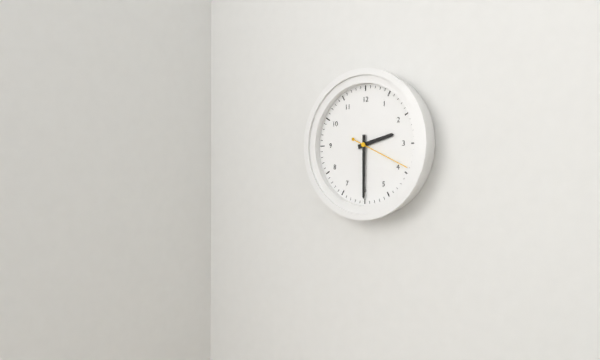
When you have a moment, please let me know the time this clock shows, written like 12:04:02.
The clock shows 2:30:19
